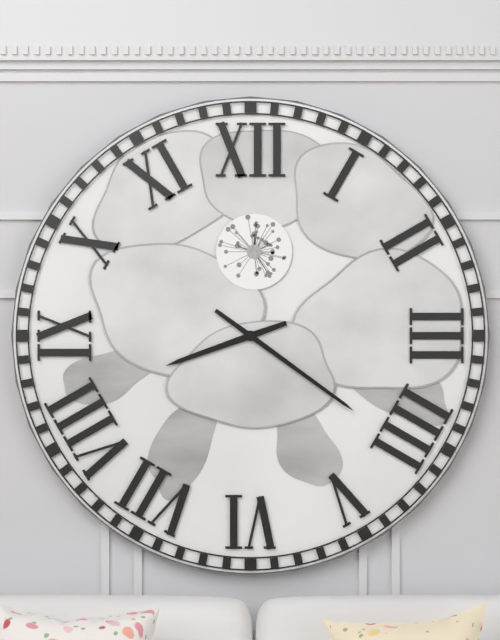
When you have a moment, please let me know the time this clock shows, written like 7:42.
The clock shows 8:21
